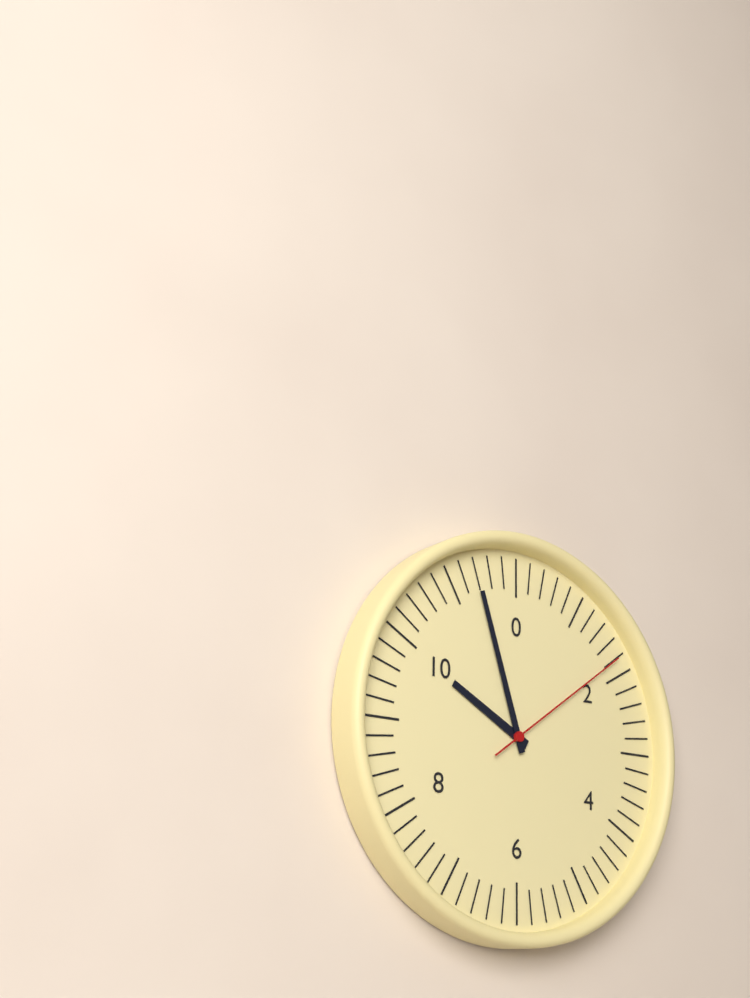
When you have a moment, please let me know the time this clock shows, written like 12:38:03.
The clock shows 9:57:09
